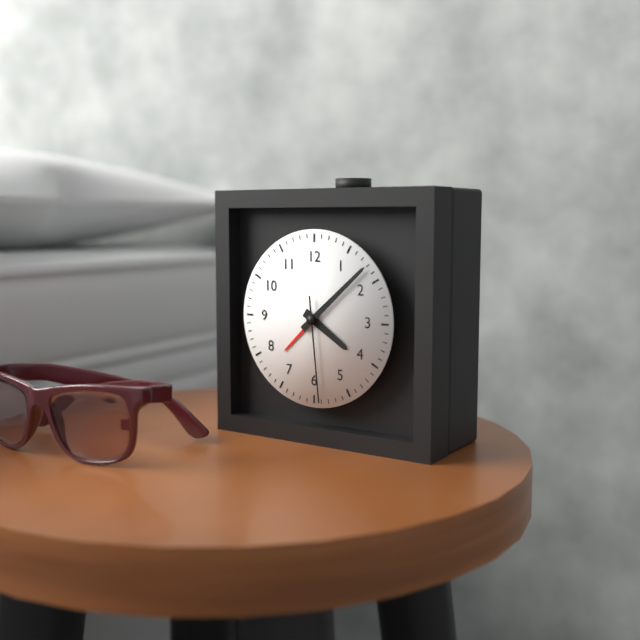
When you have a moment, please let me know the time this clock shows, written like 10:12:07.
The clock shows 4:08:29
